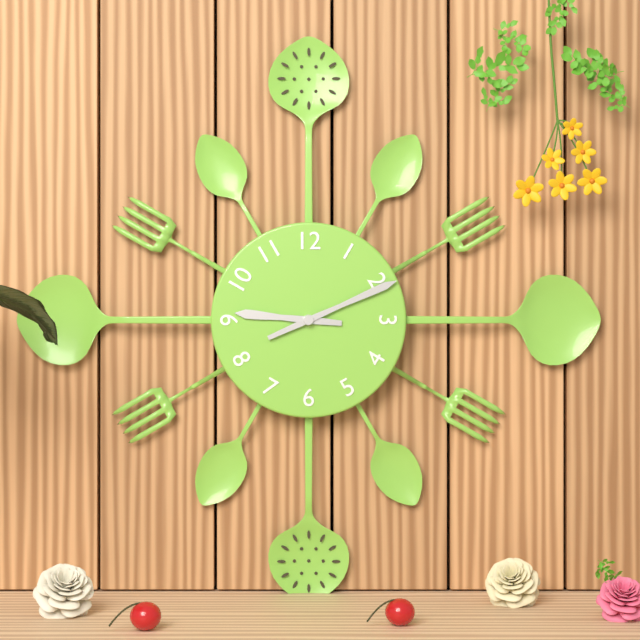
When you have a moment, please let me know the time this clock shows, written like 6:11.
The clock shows 9:11
